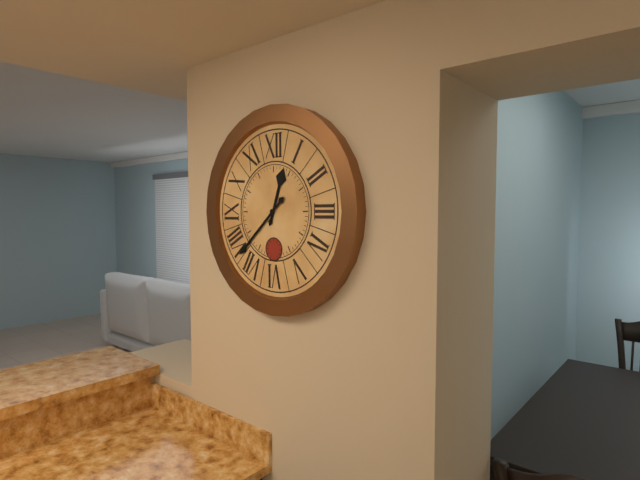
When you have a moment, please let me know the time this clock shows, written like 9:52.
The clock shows 12:38
